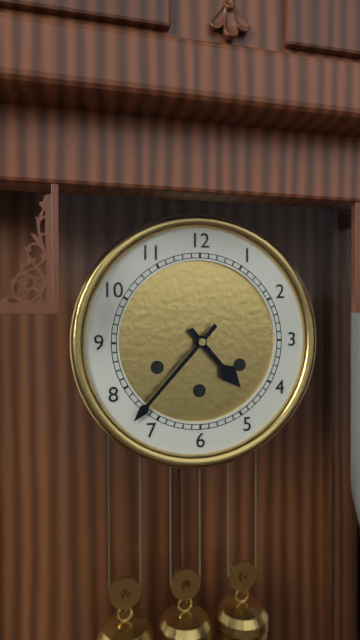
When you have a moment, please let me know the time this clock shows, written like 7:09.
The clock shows 4:37
